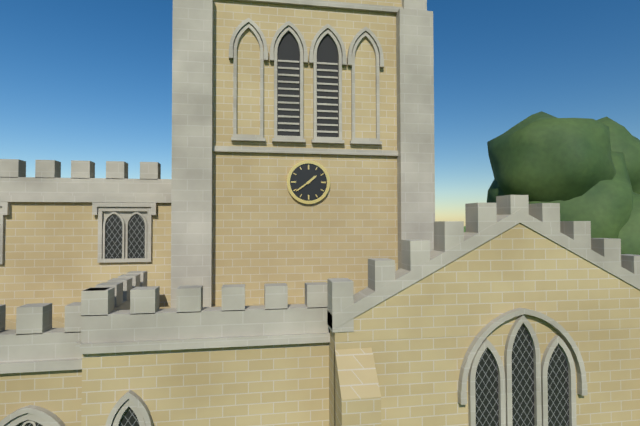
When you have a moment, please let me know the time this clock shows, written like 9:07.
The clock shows 1:39
